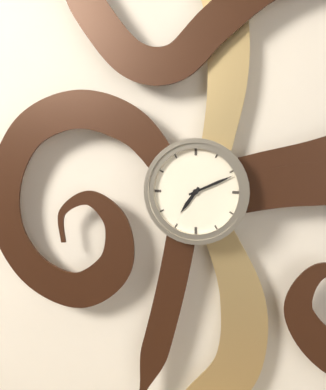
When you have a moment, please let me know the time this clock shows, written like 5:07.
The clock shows 7:11
